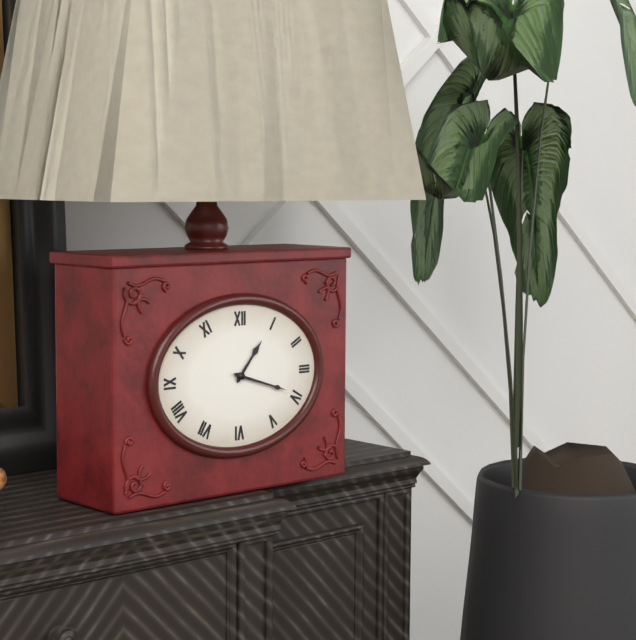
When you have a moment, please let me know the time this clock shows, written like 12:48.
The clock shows 1:18
